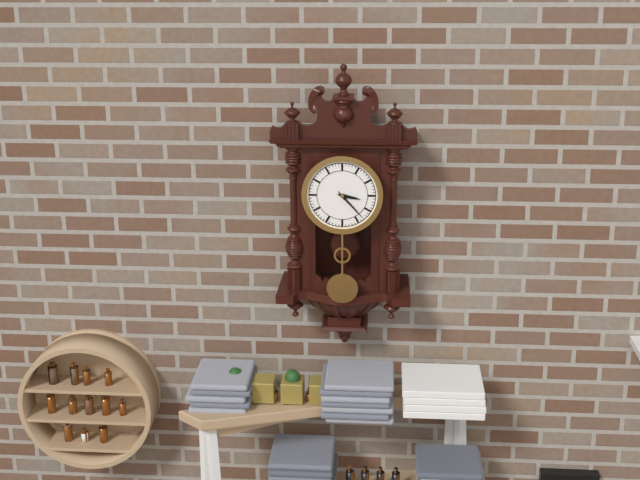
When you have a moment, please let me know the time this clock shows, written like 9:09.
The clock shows 3:23
